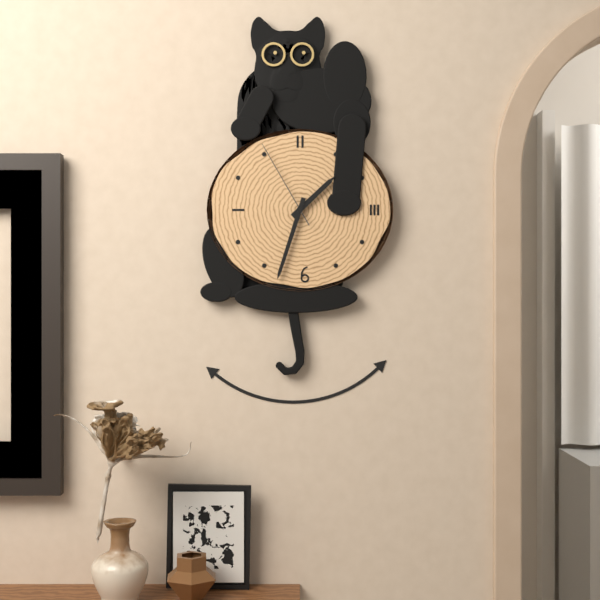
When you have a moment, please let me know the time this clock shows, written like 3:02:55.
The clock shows 1:33:55
